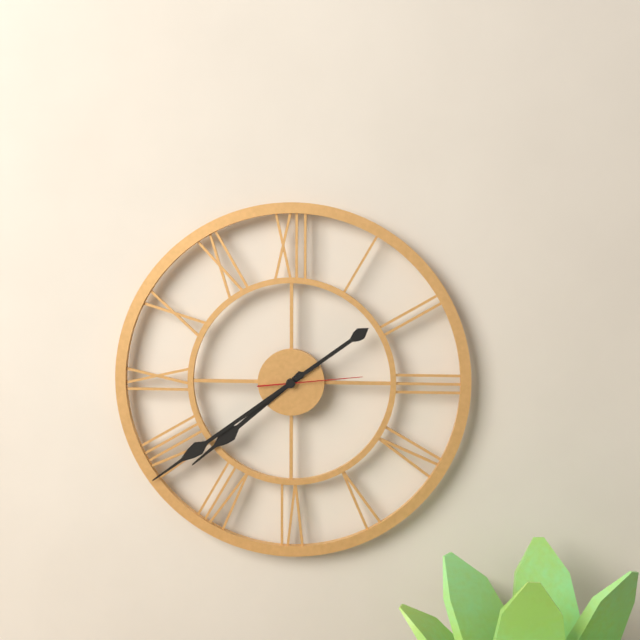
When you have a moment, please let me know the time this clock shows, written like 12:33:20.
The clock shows 7:39:14
